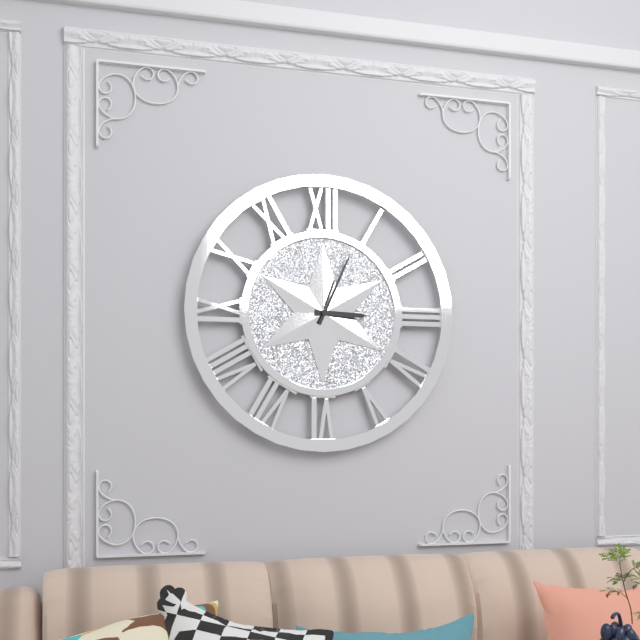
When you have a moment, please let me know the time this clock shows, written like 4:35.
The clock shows 3:04
